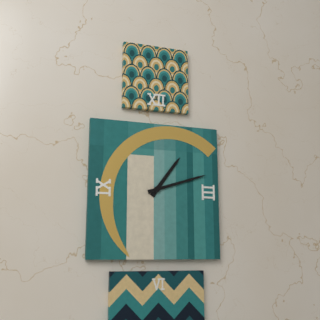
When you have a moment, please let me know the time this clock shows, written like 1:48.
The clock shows 1:12
